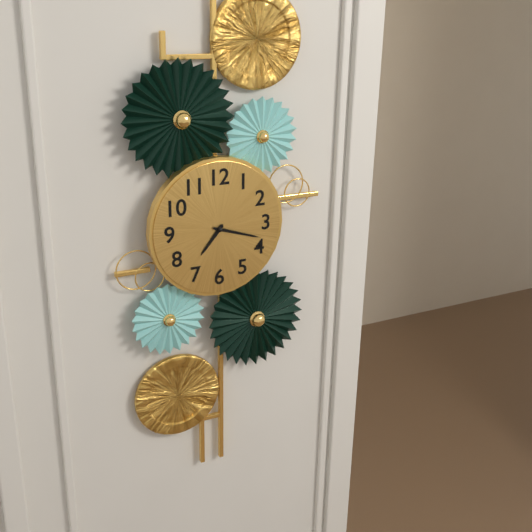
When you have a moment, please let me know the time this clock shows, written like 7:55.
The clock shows 7:18
